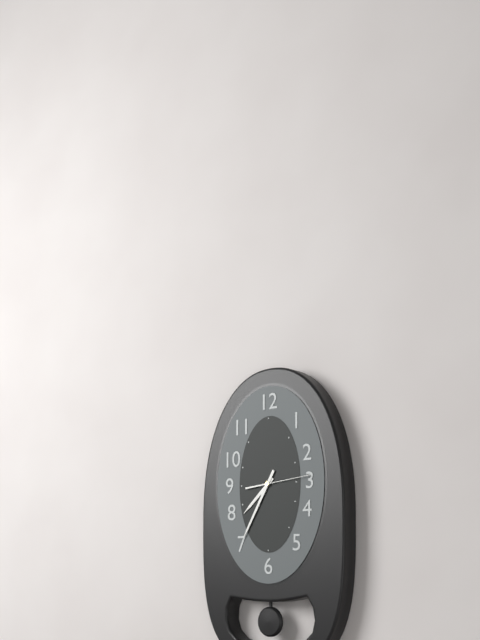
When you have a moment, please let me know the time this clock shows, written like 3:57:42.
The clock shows 7:35:14
